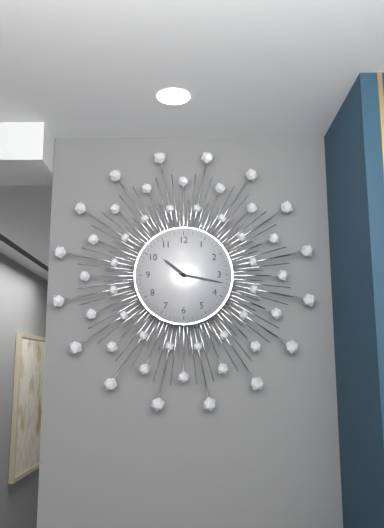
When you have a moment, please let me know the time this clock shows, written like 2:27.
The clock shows 10:17
